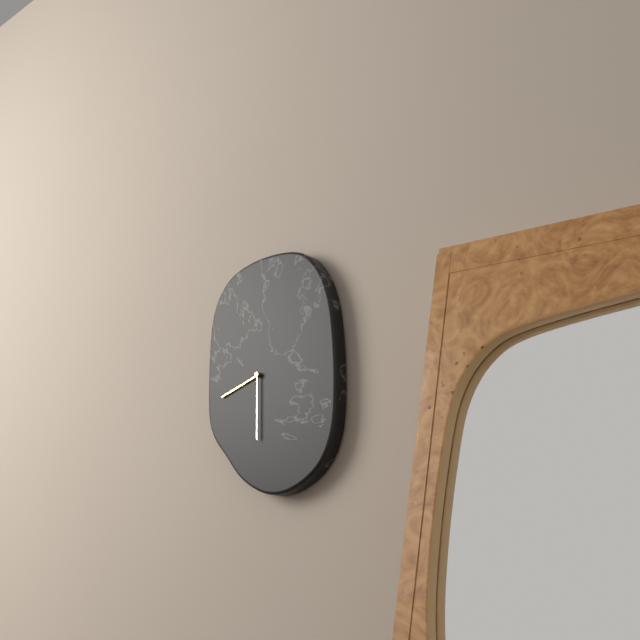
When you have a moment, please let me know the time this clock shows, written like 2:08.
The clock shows 8:30
